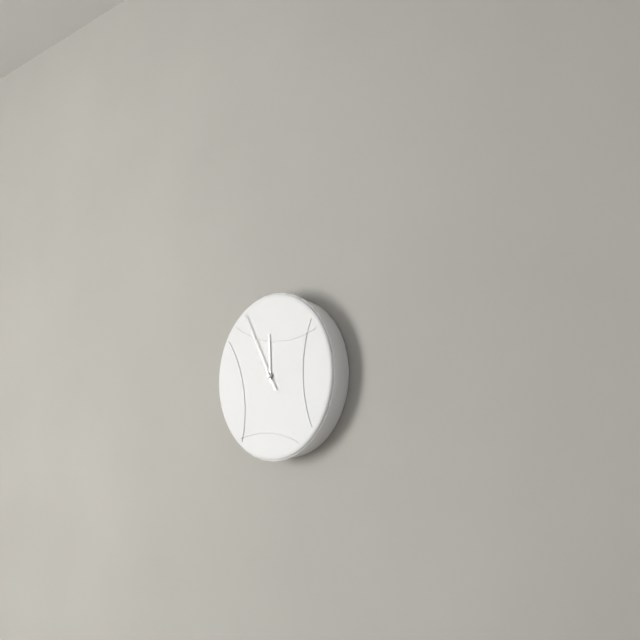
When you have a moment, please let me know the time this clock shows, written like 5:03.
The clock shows 11:55
